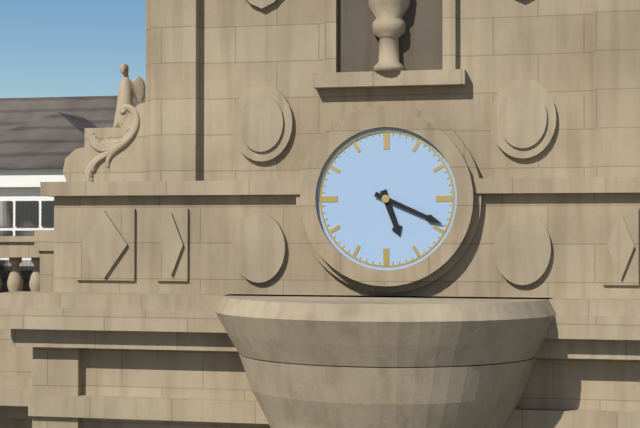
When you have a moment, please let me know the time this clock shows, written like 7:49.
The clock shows 5:19
